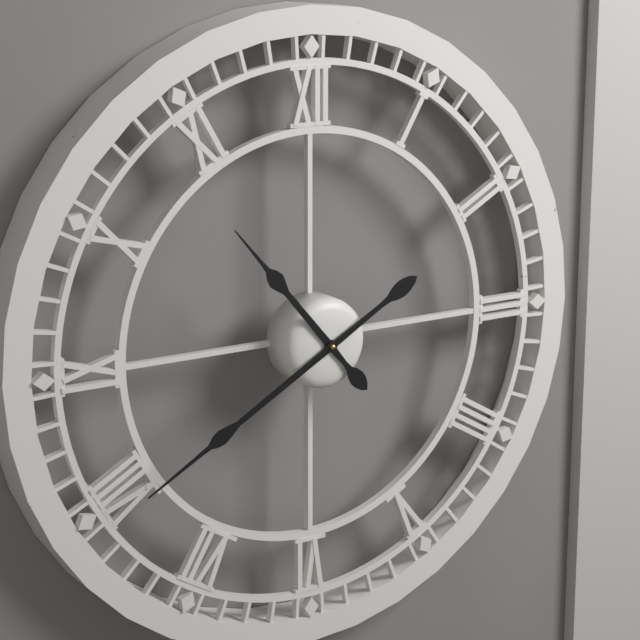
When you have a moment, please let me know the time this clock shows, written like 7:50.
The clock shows 10:40
